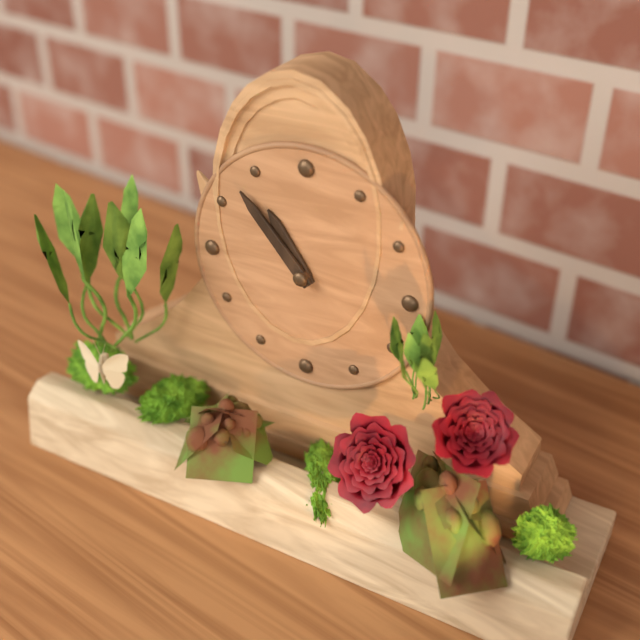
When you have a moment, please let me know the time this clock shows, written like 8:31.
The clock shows 10:53
